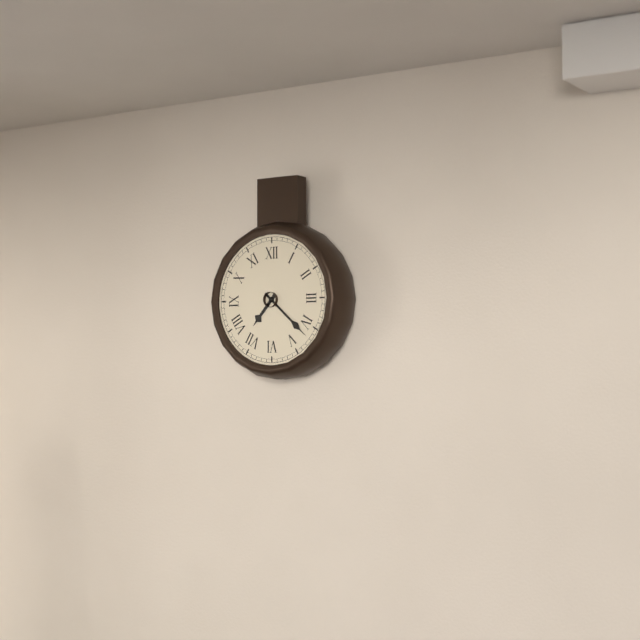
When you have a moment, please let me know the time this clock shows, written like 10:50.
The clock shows 7:22
